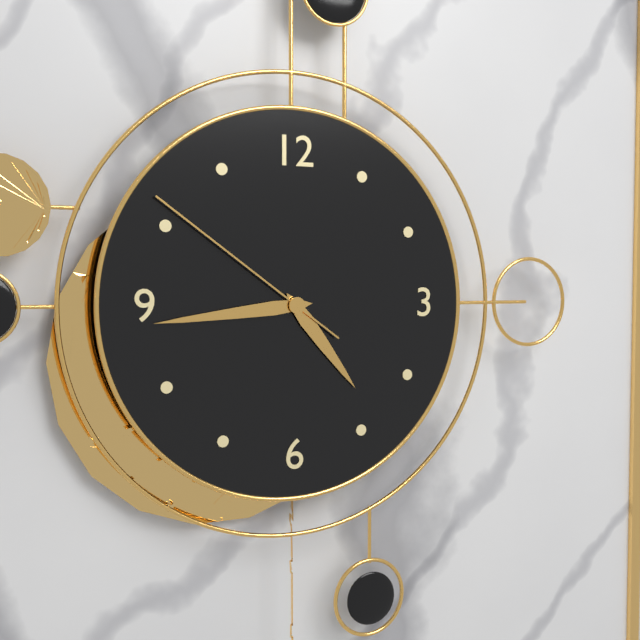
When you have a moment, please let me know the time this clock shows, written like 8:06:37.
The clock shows 4:44:51
